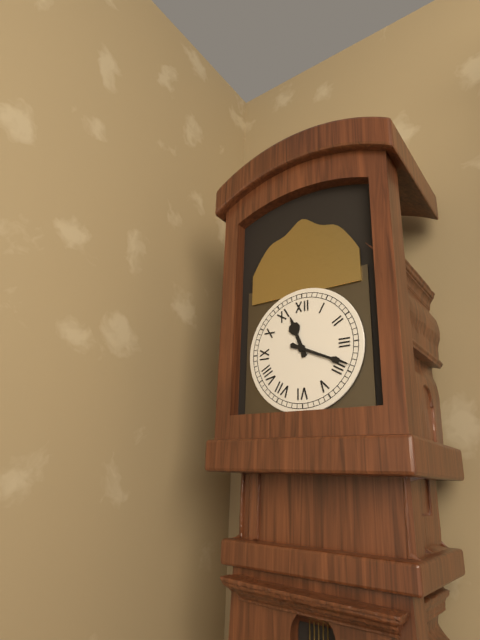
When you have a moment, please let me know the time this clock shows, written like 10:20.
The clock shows 11:19
